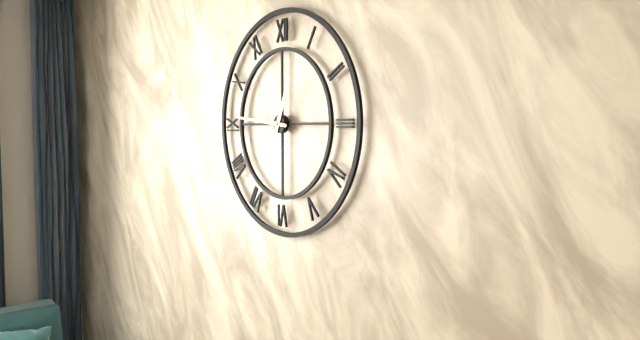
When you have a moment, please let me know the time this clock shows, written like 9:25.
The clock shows 12:46
